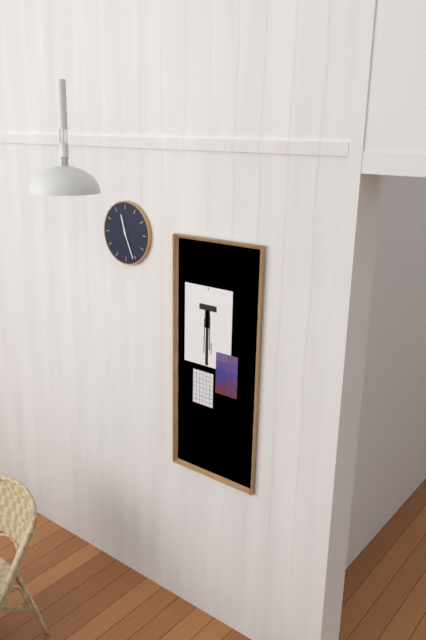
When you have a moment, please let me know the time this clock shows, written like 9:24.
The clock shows 11:26
